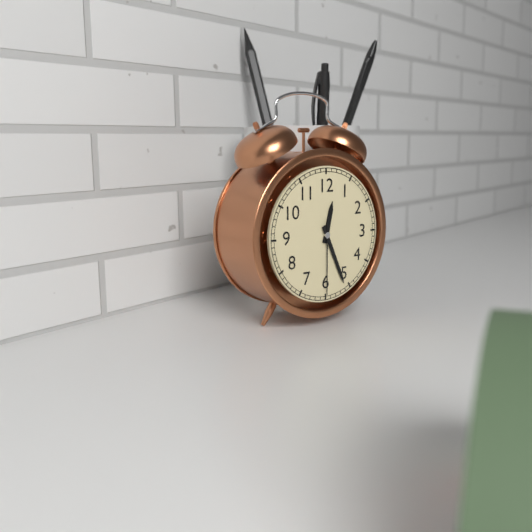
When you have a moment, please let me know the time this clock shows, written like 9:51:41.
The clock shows 12:26:30
